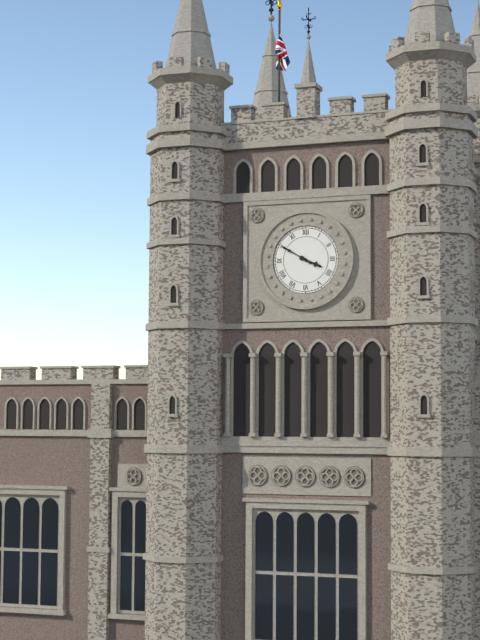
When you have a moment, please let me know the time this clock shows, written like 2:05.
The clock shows 3:50
